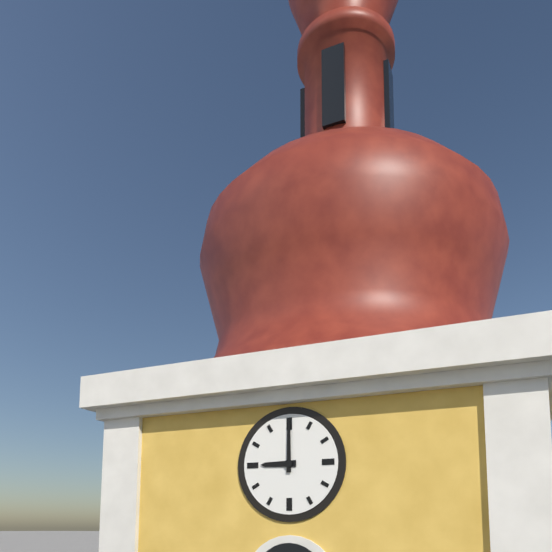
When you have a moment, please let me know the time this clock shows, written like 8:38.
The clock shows 9:00
